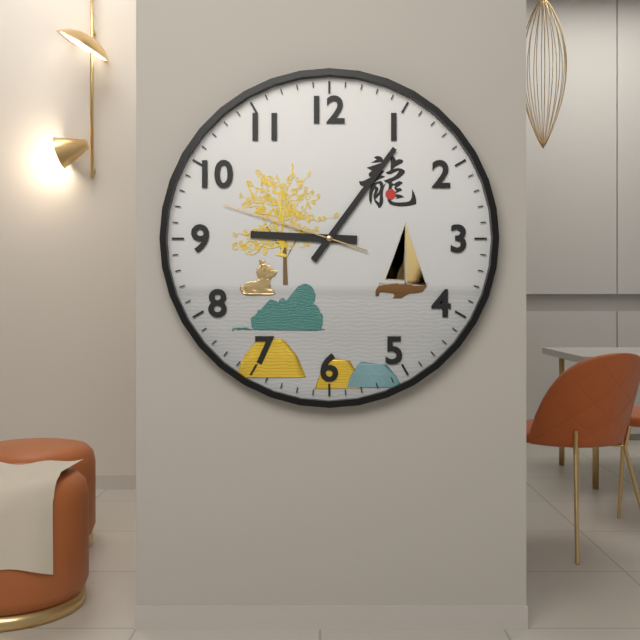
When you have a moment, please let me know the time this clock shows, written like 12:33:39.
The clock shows 9:06:48
